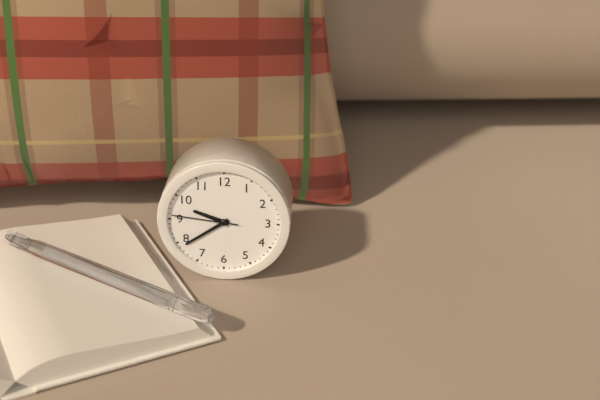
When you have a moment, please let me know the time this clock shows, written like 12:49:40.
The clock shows 9:39:46
